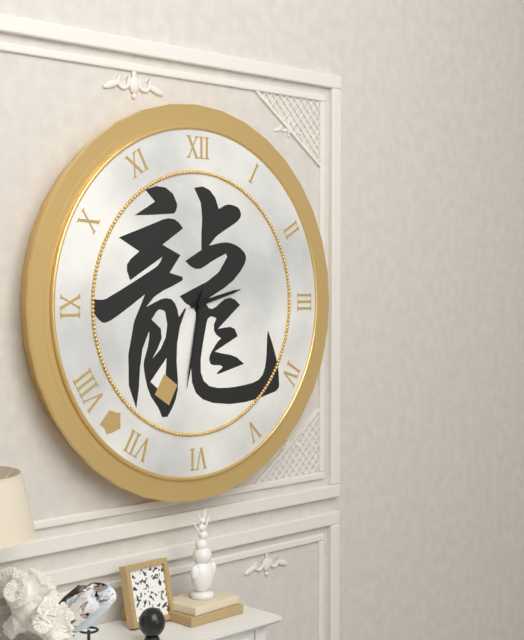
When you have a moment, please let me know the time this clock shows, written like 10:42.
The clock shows 2:32
